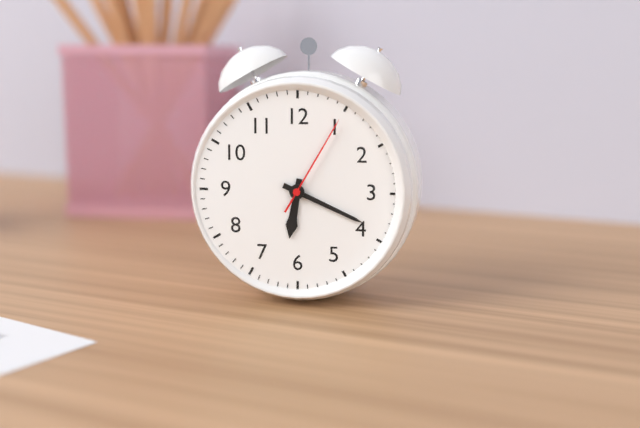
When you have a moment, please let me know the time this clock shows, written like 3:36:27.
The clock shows 6:19:05
